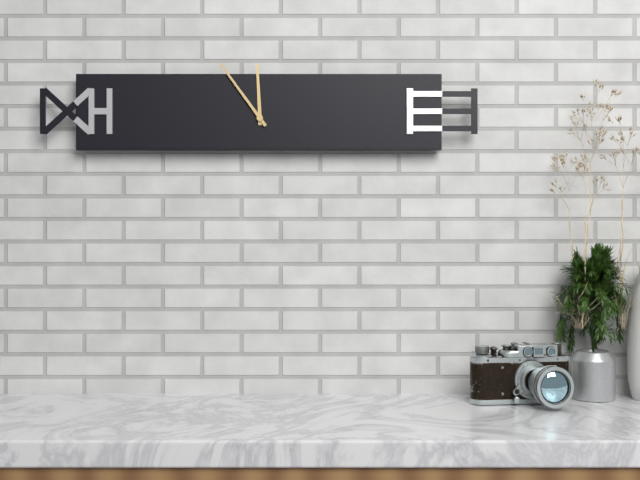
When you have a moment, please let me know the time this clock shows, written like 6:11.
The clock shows 11:54
